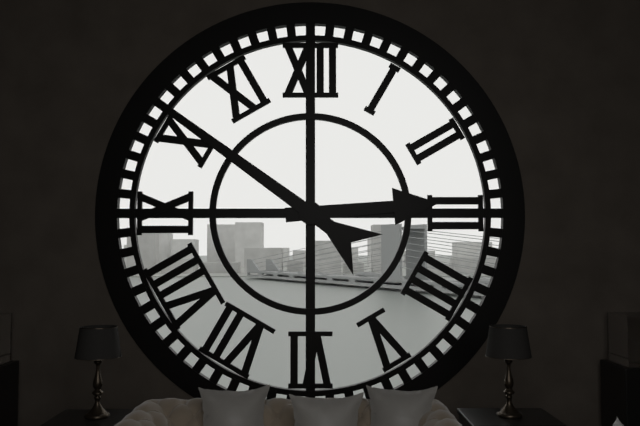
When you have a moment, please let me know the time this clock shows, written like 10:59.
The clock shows 2:51
